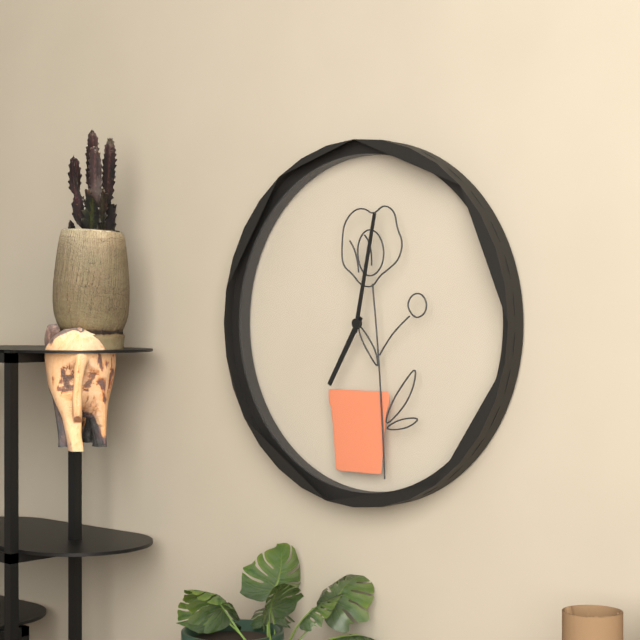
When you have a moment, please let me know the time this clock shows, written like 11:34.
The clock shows 7:02
